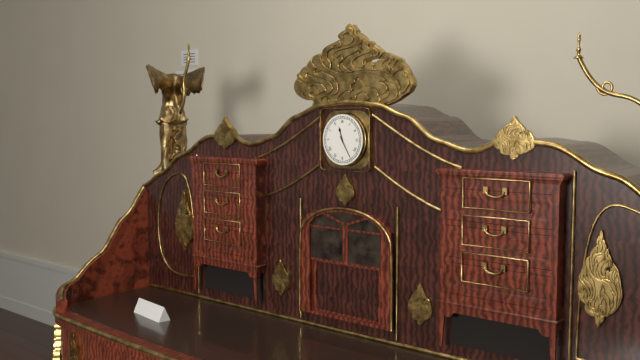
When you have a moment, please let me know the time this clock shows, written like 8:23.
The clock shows 11:25
